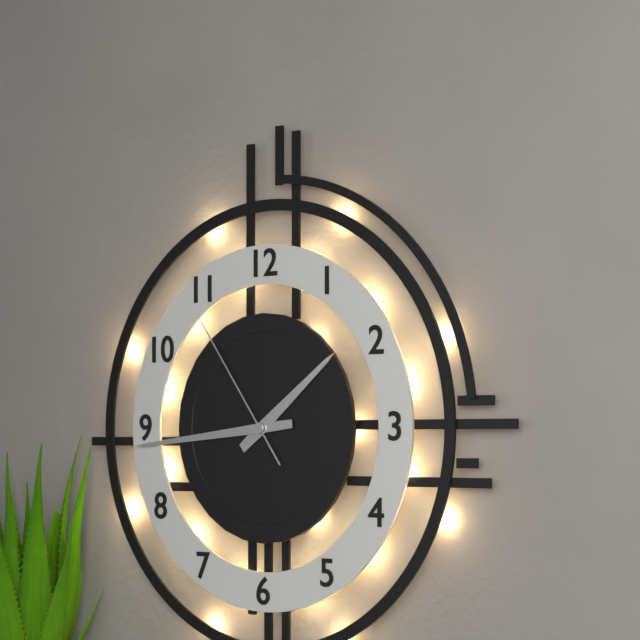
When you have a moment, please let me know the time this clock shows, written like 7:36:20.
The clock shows 1:44:54
